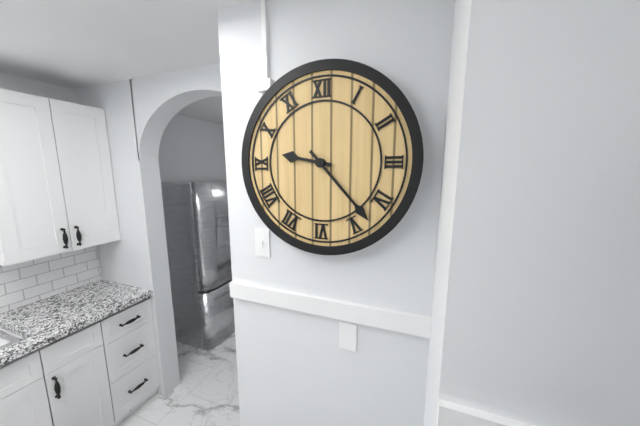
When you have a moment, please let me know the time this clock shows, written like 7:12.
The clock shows 9:23
